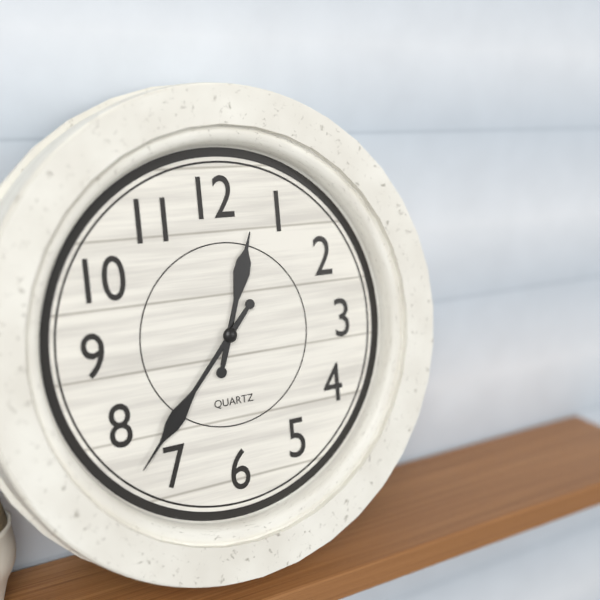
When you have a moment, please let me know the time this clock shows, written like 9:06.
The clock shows 12:37
